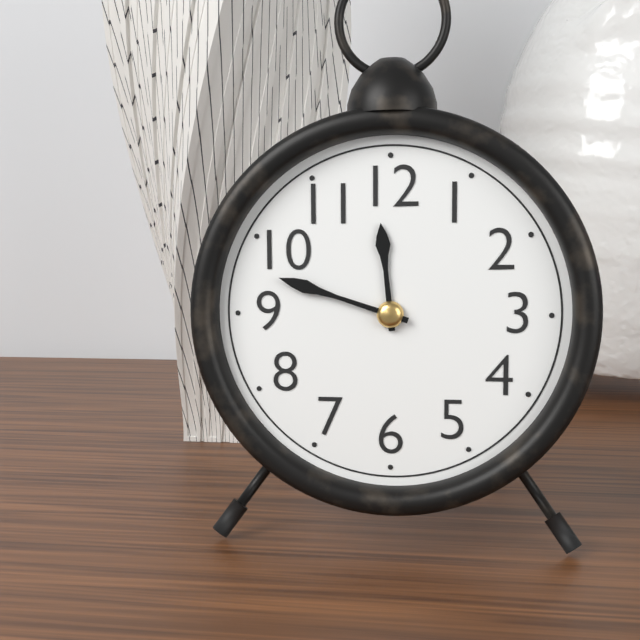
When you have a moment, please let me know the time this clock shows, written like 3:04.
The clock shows 11:48
